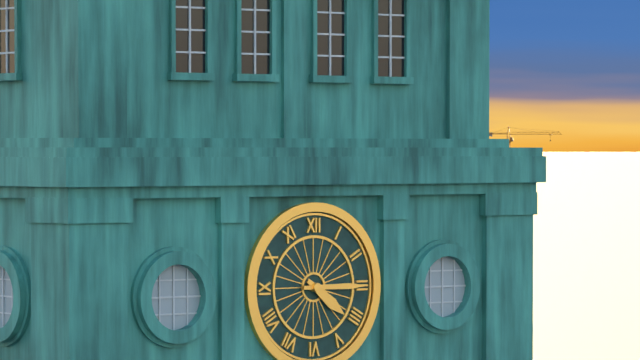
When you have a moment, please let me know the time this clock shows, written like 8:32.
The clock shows 4:15
